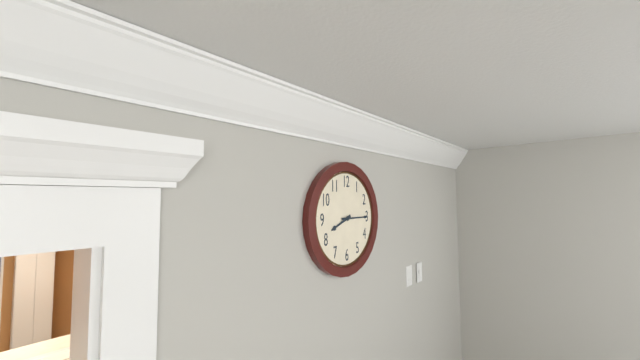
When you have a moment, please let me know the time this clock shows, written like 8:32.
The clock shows 8:15
